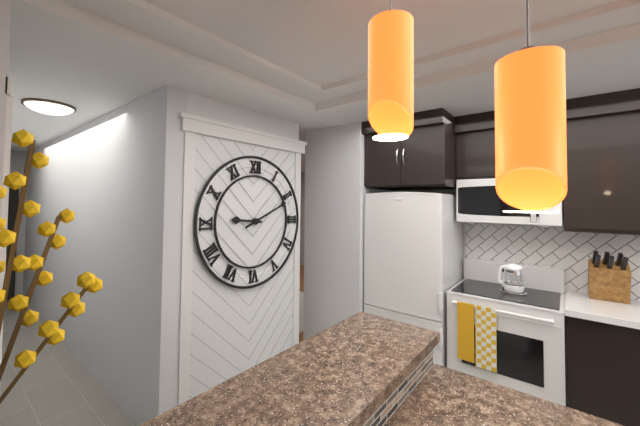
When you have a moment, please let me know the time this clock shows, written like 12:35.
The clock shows 9:11
